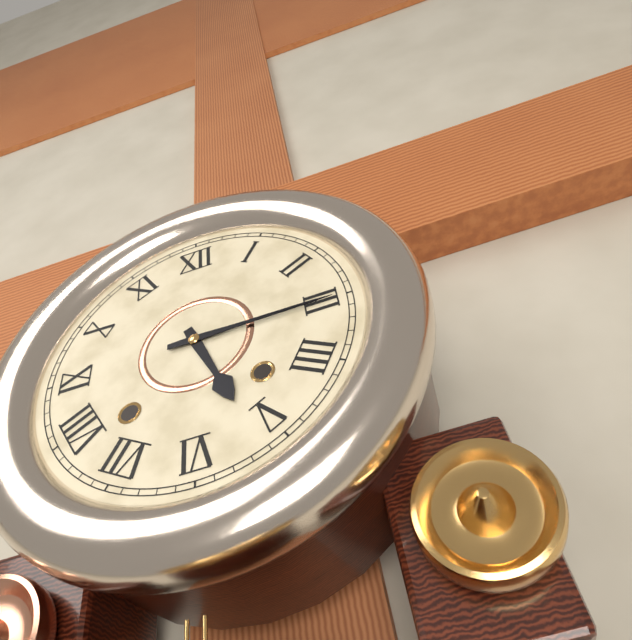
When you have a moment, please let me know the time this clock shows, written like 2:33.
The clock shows 5:15
